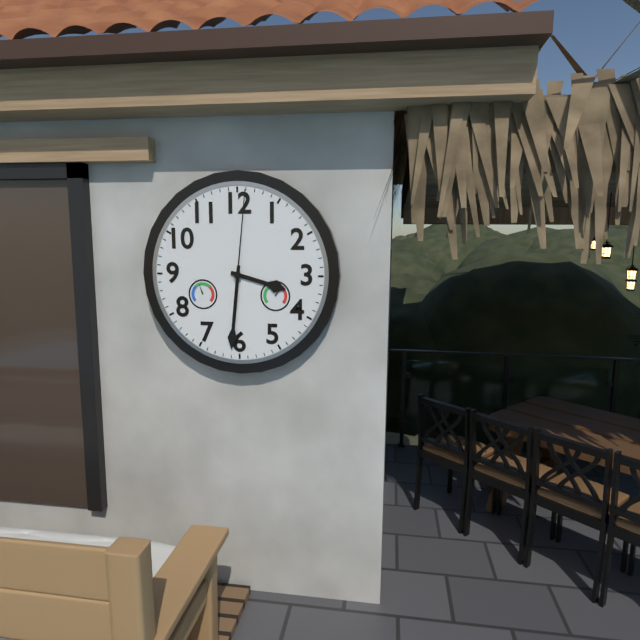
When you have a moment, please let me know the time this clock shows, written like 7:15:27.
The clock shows 3:31:01
